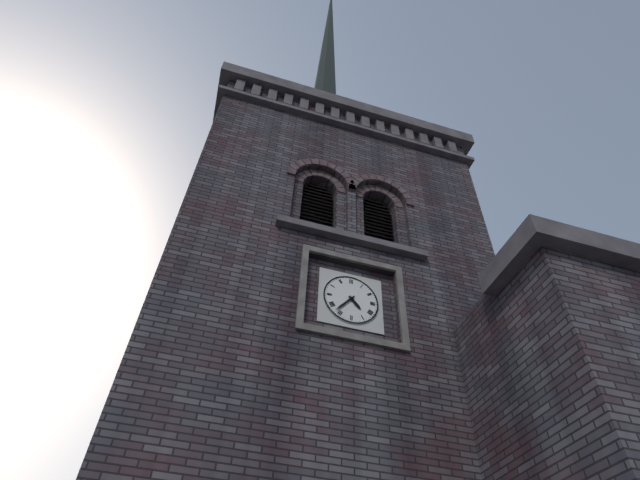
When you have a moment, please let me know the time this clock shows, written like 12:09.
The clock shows 4:37
